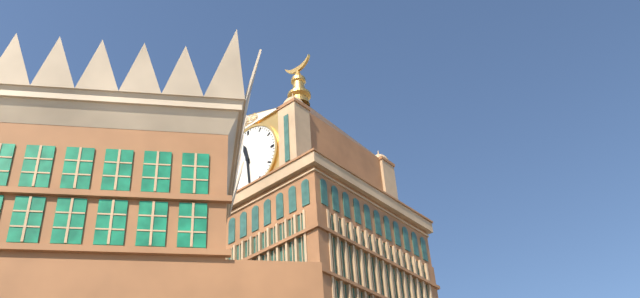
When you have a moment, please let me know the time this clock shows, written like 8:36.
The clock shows 11:29
